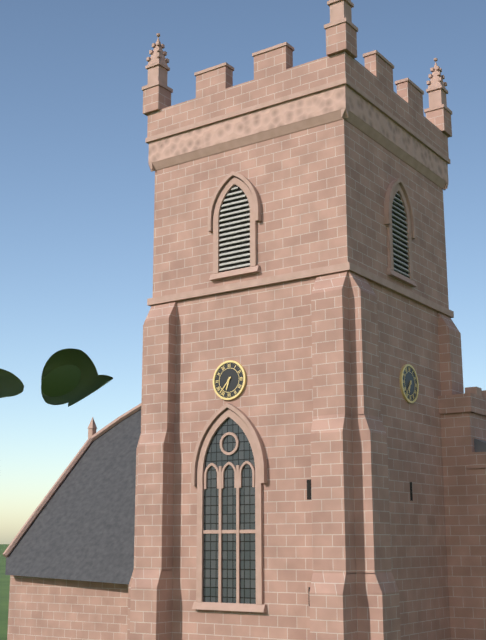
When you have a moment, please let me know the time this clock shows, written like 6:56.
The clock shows 6:37
